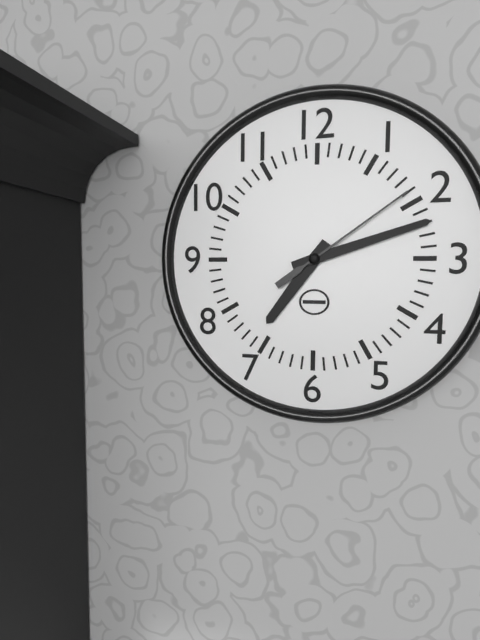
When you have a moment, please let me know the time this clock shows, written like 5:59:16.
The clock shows 7:12:09
